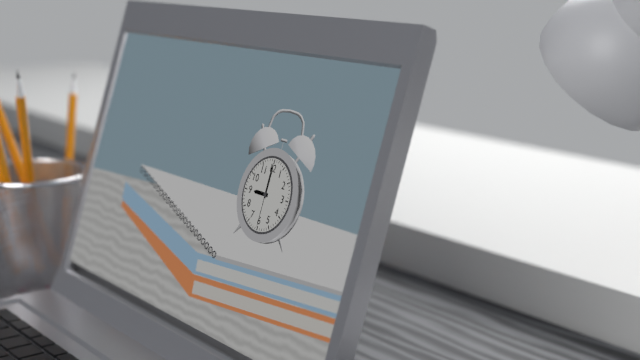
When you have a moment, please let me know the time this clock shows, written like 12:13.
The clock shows 9:00
